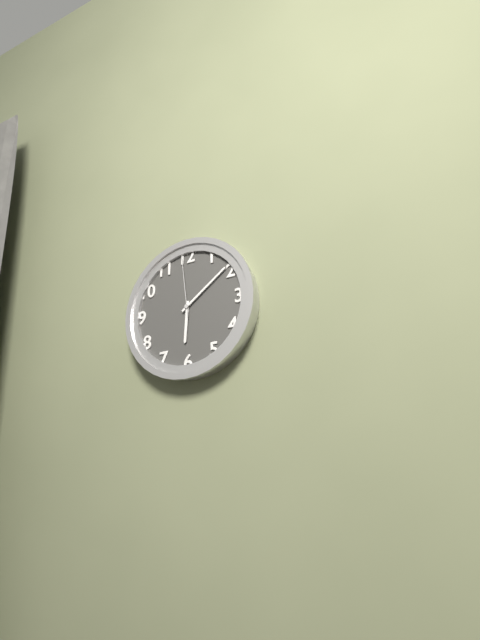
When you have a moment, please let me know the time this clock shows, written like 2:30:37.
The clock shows 6:09:59
